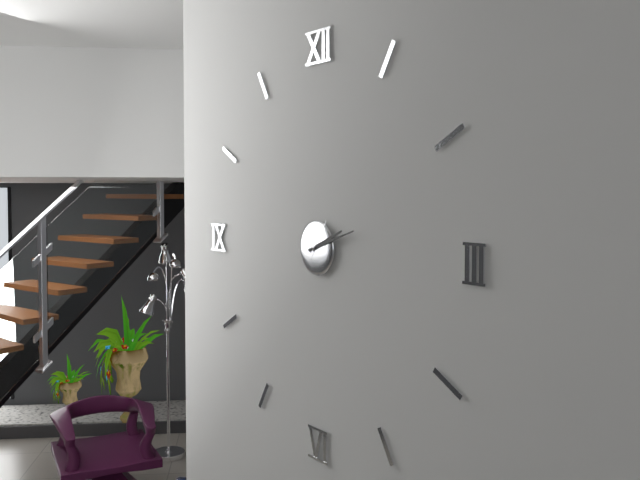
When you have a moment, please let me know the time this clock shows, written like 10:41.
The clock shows 2:12
